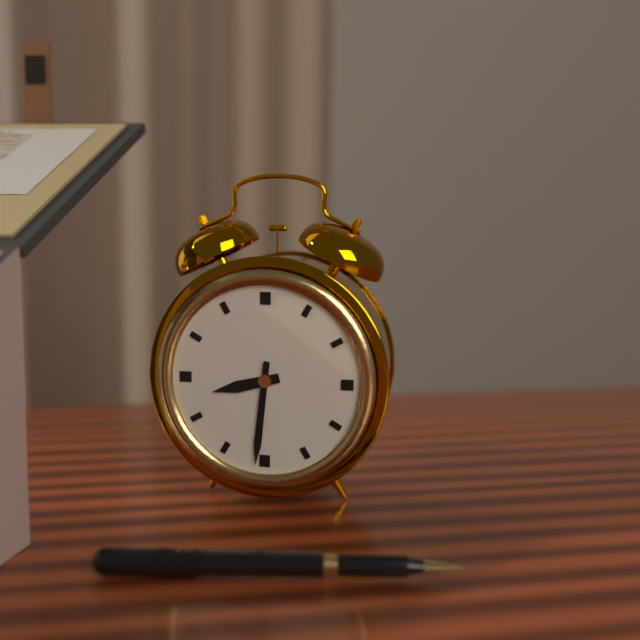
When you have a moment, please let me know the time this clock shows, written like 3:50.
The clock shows 8:31
